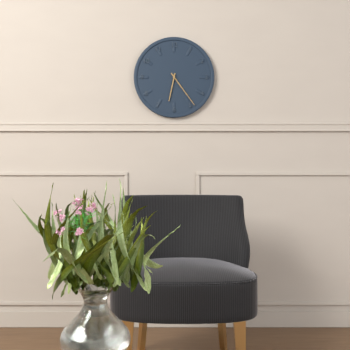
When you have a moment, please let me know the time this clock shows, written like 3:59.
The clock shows 6:24
